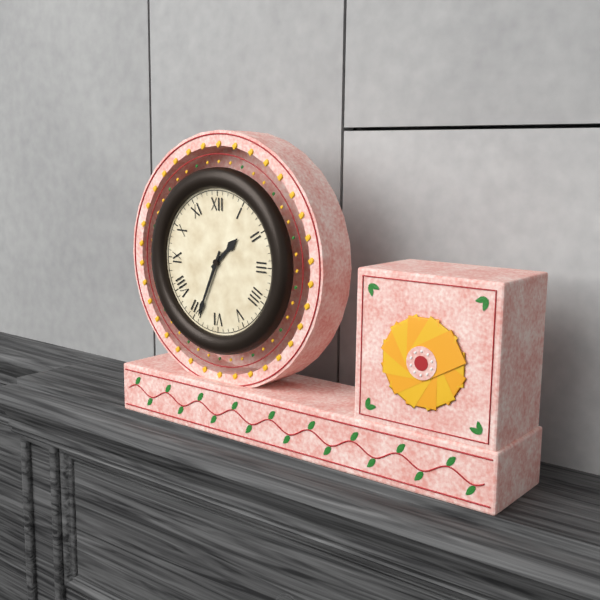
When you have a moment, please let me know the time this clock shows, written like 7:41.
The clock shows 1:34
